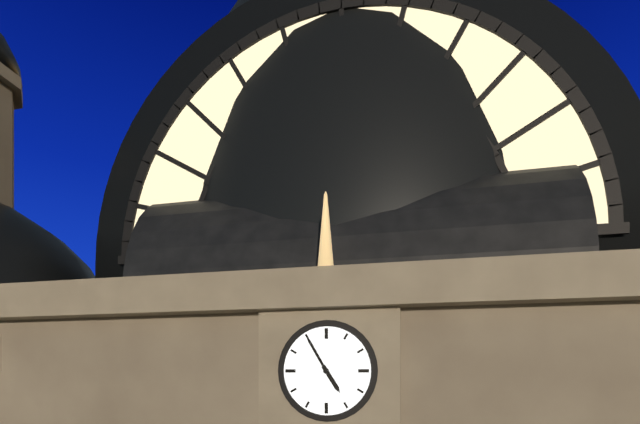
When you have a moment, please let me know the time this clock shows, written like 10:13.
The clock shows 4:55
